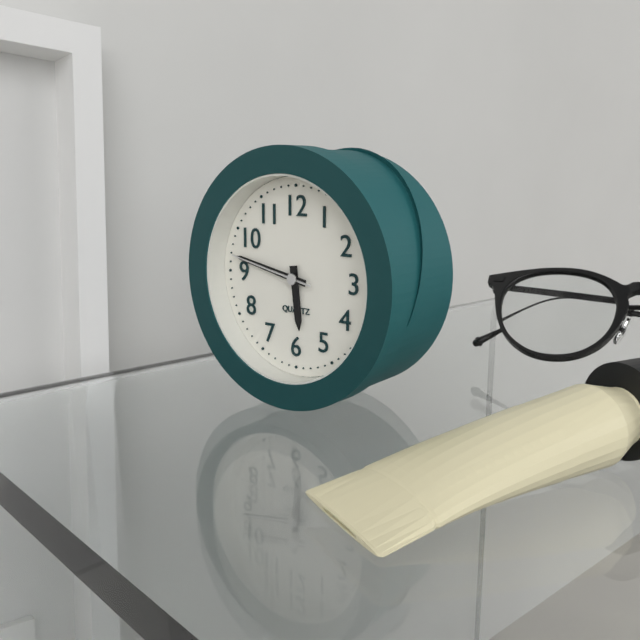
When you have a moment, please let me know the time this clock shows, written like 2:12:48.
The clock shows 5:47:47
